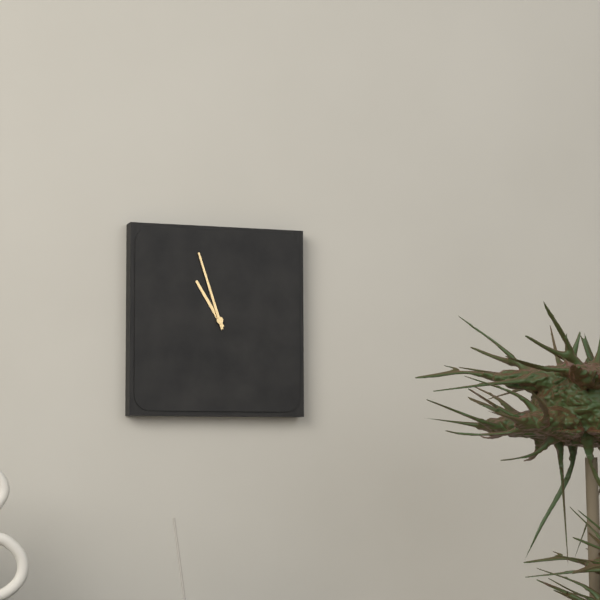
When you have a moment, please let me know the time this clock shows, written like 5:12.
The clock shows 10:57
